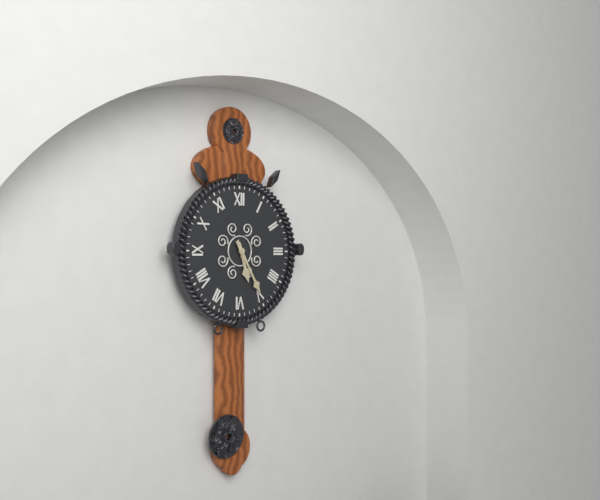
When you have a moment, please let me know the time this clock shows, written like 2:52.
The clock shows 5:25
